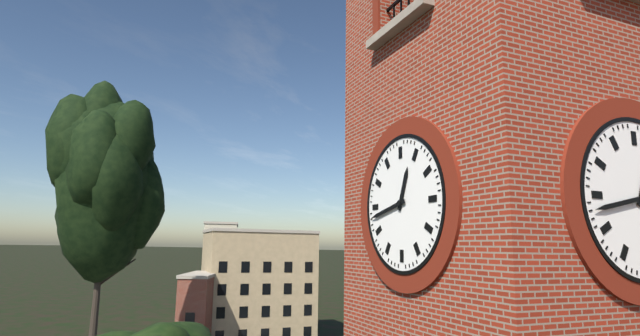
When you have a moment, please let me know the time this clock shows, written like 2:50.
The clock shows 12:43
